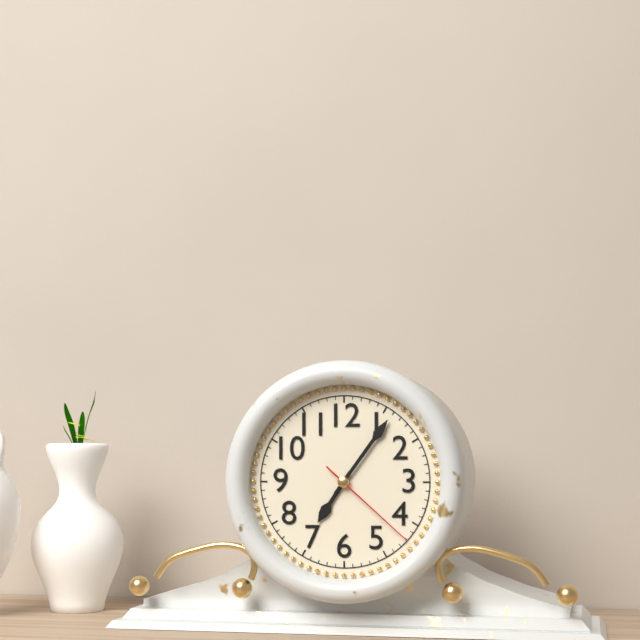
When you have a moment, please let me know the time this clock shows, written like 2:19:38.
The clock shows 7:06:22
